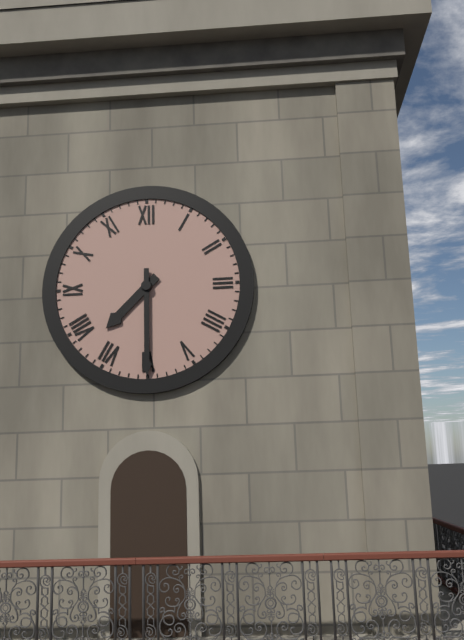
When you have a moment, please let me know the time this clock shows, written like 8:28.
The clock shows 7:30
